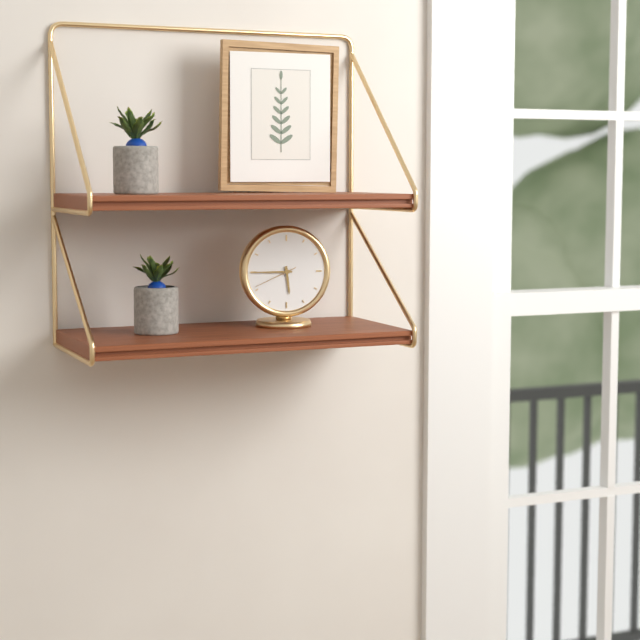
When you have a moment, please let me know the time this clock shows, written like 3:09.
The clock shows 5:45
